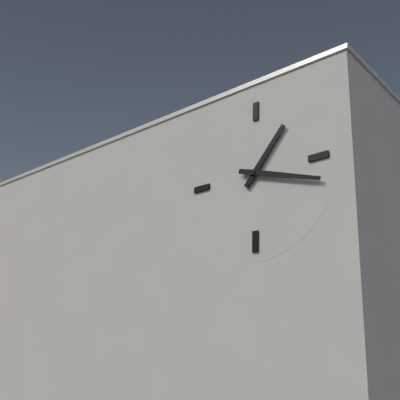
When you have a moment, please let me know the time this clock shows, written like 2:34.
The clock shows 1:18
